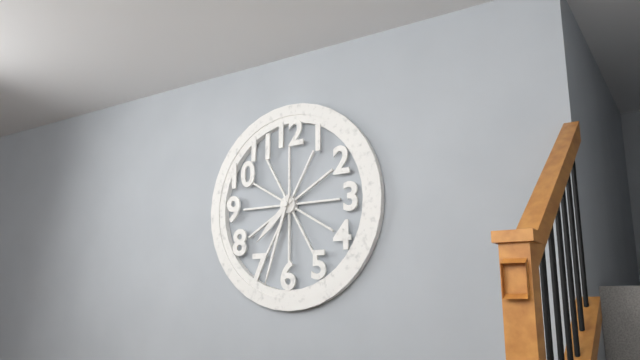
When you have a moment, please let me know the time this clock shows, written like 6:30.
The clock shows 7:33
